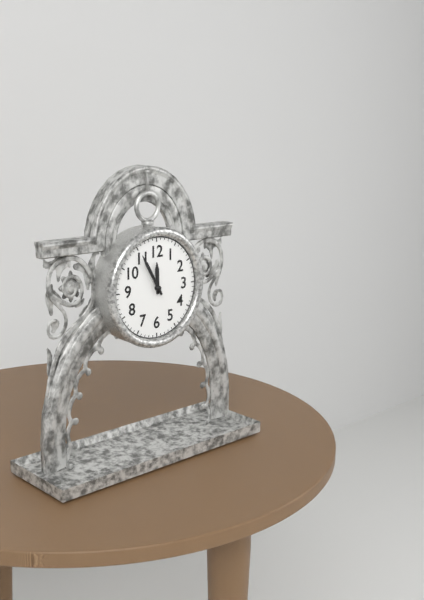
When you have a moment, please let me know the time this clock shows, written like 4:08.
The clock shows 11:55
